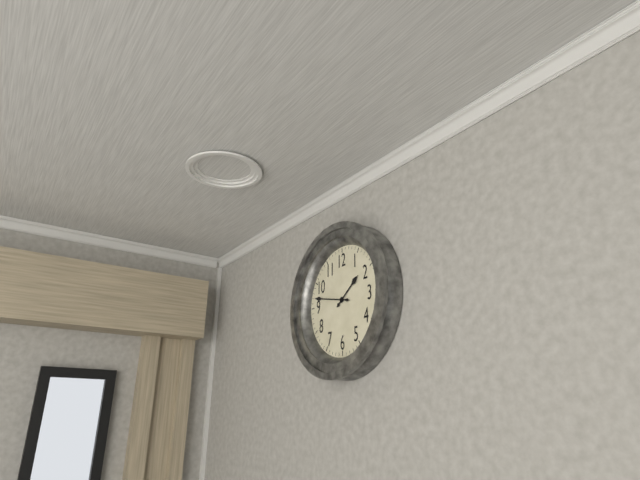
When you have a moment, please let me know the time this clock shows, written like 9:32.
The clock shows 1:47
